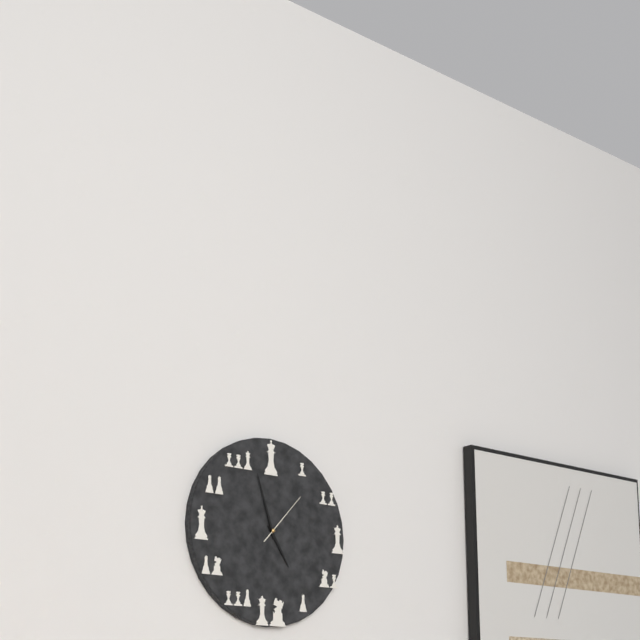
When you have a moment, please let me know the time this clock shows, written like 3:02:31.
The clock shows 4:57:07
